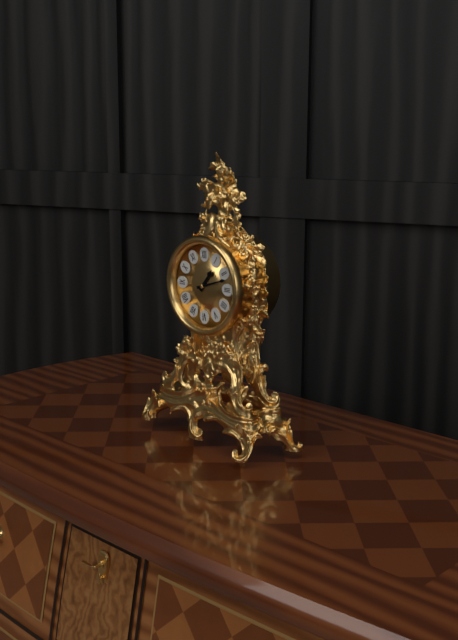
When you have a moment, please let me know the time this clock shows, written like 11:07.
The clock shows 1:12
